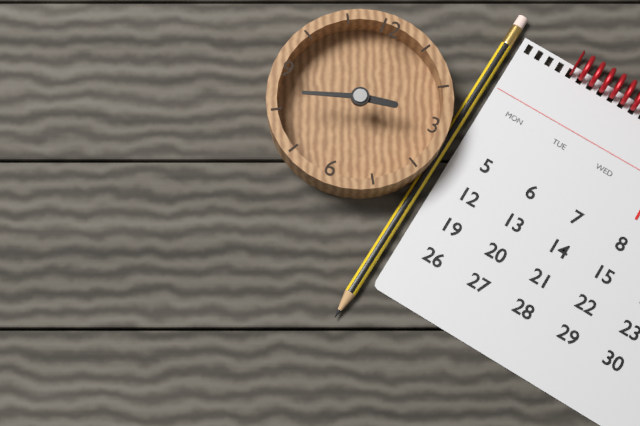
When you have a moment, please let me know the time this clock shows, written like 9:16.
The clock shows 2:42
